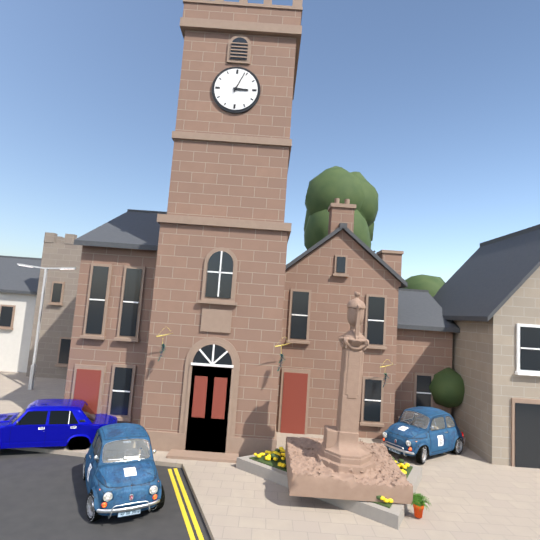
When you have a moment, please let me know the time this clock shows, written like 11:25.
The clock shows 3:04
